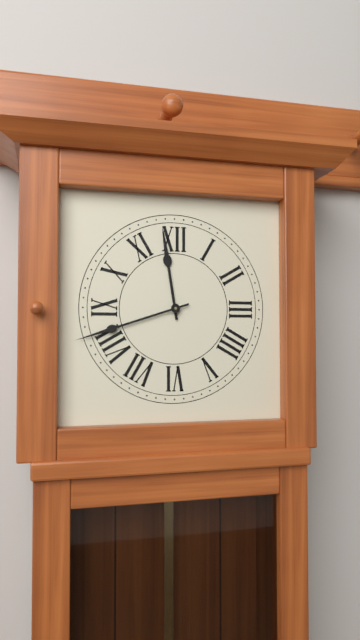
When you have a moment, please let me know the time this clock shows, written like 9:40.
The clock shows 11:42
